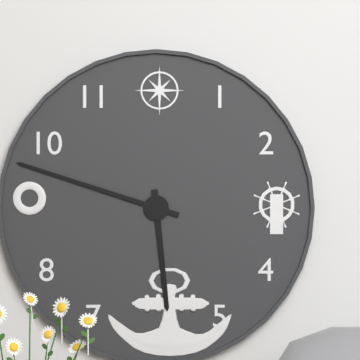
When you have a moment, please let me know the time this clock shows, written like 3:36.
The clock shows 5:48
